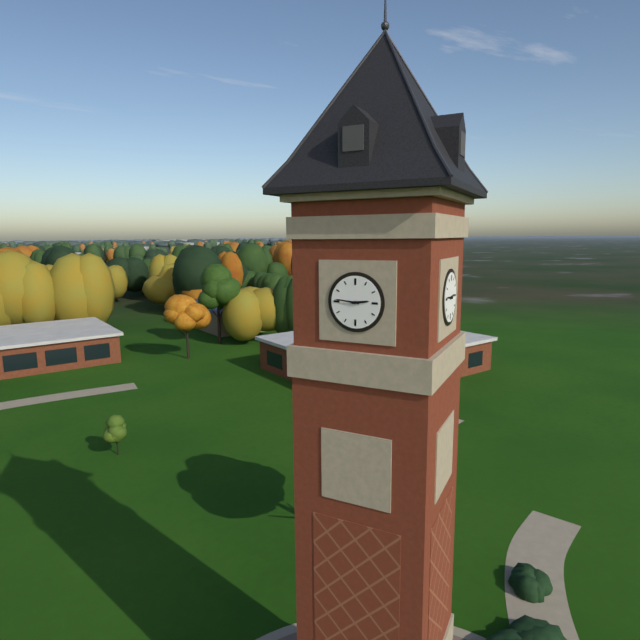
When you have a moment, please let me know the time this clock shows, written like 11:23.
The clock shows 2:46
